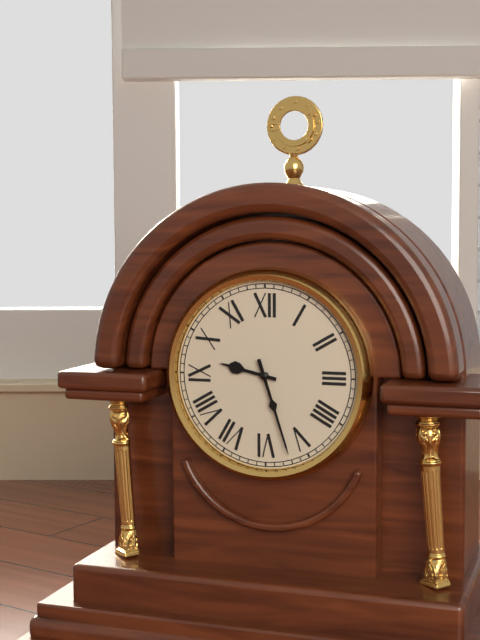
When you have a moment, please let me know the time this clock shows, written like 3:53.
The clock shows 9:27
